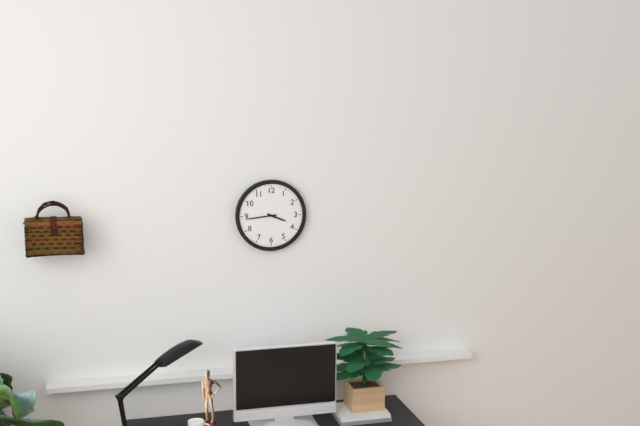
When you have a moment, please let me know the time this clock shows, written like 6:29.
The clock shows 3:44
